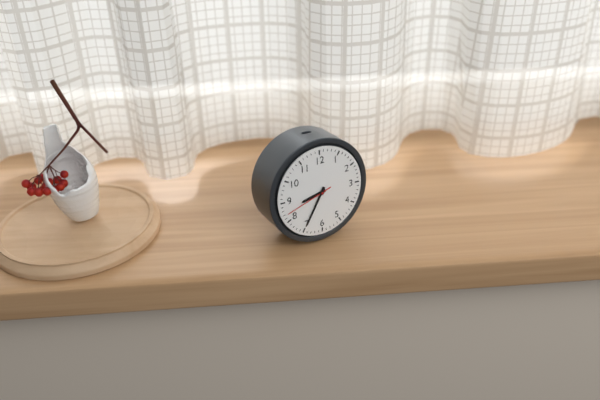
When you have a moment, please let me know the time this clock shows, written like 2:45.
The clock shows 8:35
